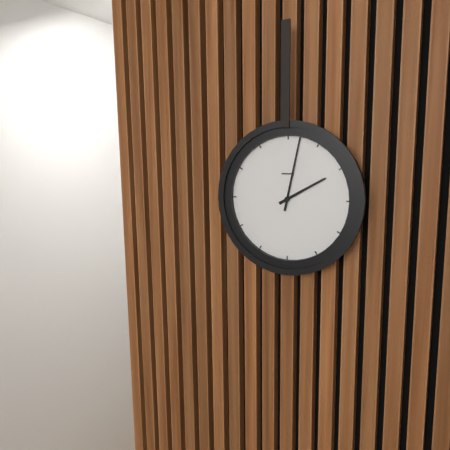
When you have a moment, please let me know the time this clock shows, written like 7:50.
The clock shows 2:02
